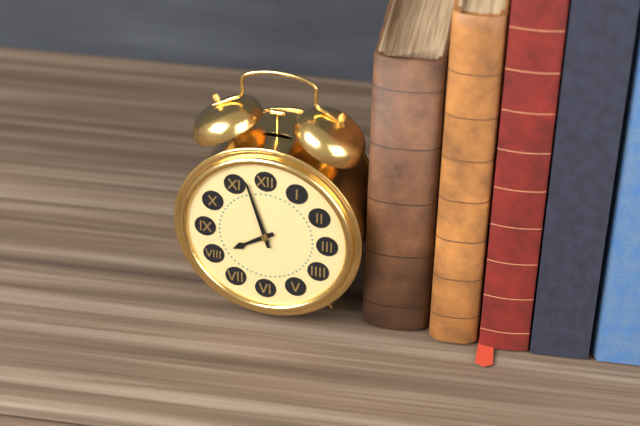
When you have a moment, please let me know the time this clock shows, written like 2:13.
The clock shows 7:57
